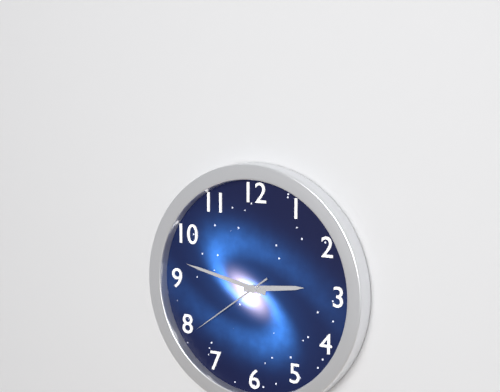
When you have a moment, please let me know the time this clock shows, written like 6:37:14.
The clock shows 2:47:39
